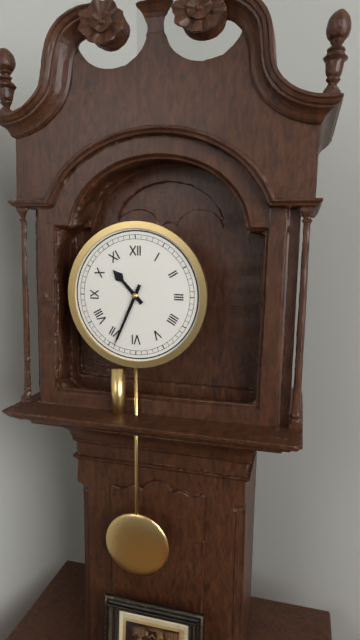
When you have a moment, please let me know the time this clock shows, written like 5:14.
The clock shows 10:34
